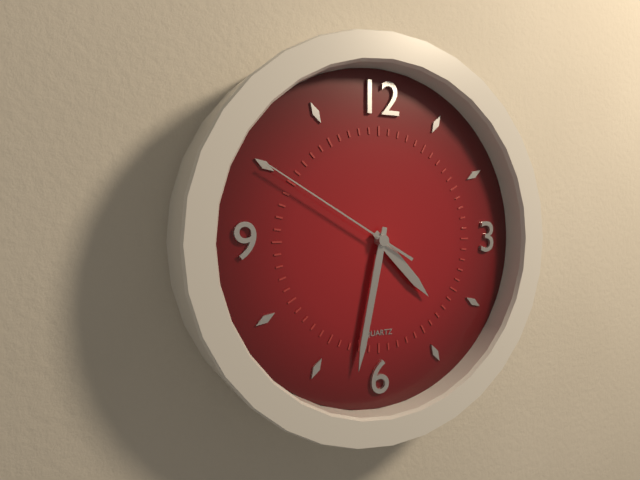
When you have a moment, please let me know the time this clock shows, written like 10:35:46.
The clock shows 4:32:50
